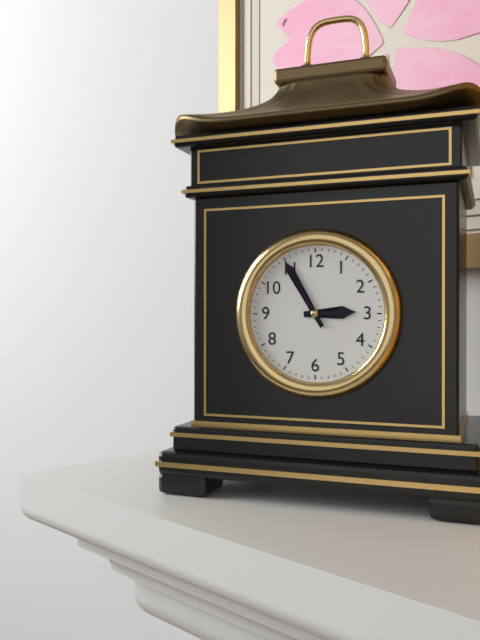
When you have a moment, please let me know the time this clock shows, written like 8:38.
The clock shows 2:55
